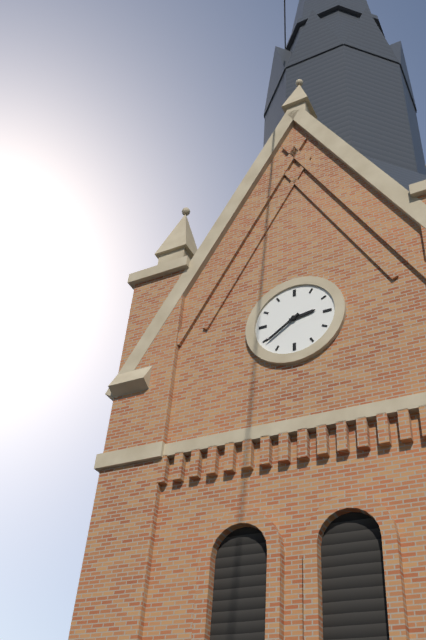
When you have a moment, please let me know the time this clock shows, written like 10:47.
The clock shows 2:39
